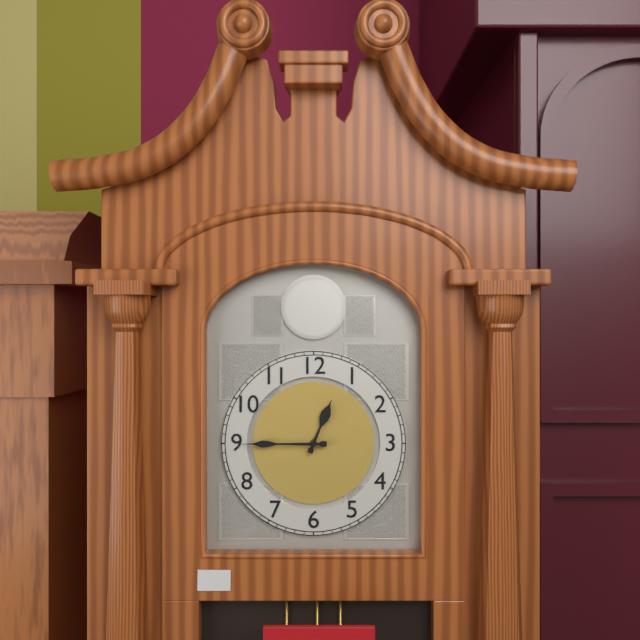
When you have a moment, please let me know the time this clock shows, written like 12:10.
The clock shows 12:45
